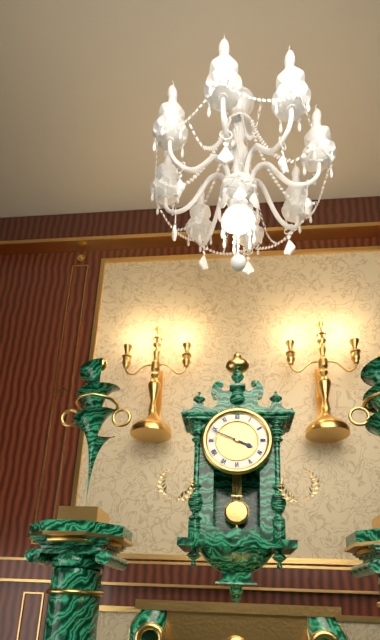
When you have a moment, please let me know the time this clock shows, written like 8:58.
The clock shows 3:49
